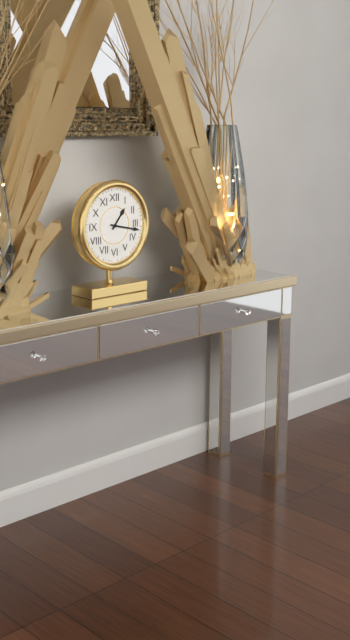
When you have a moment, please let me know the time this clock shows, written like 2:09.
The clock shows 1:17
